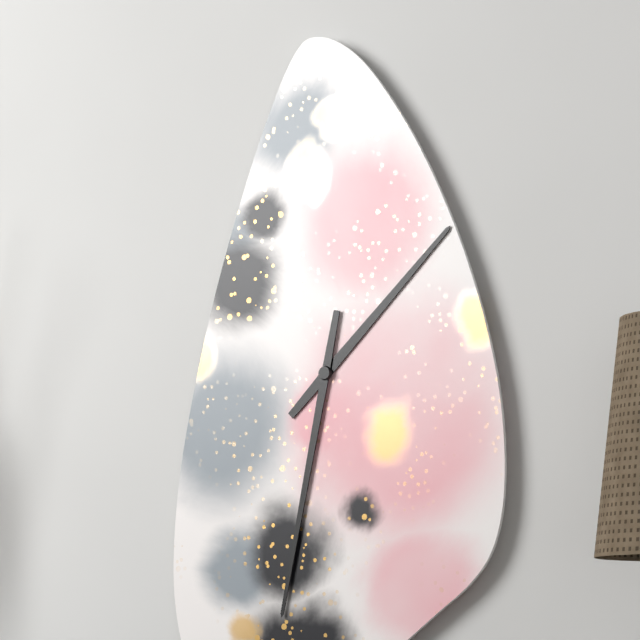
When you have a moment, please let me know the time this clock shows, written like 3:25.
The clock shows 1:32
